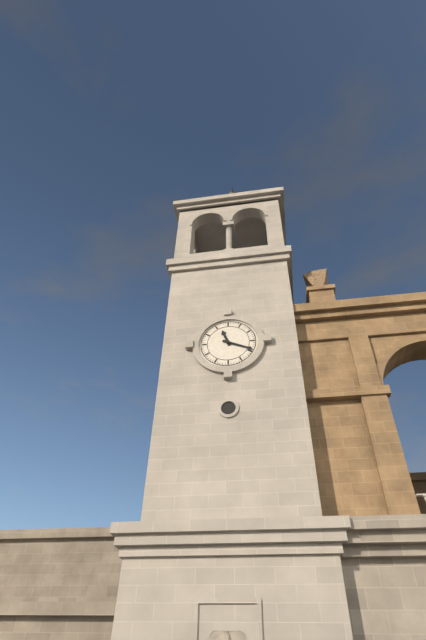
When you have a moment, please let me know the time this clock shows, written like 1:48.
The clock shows 11:19
